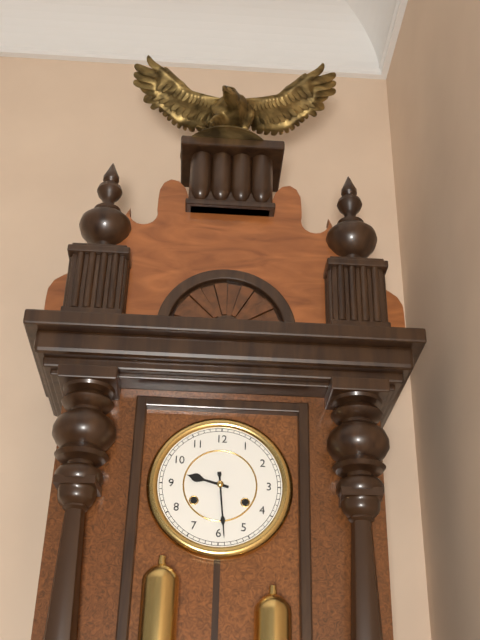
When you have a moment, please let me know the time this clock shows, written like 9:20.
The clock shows 9:29
